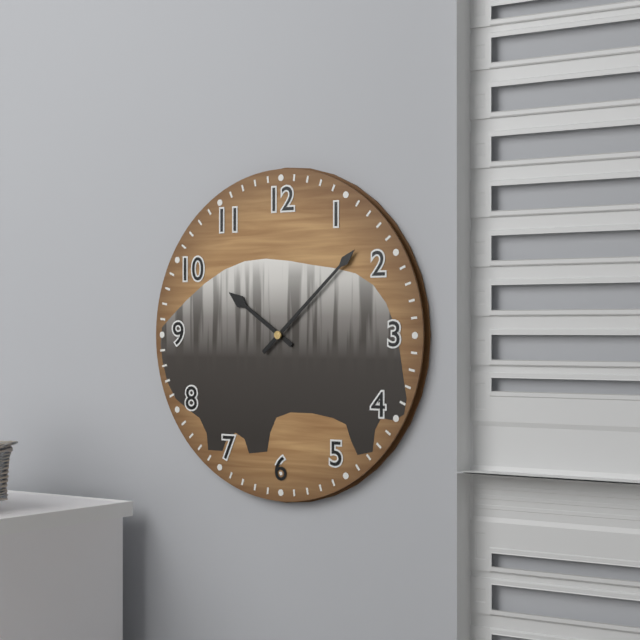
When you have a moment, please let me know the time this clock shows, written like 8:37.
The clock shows 10:08
